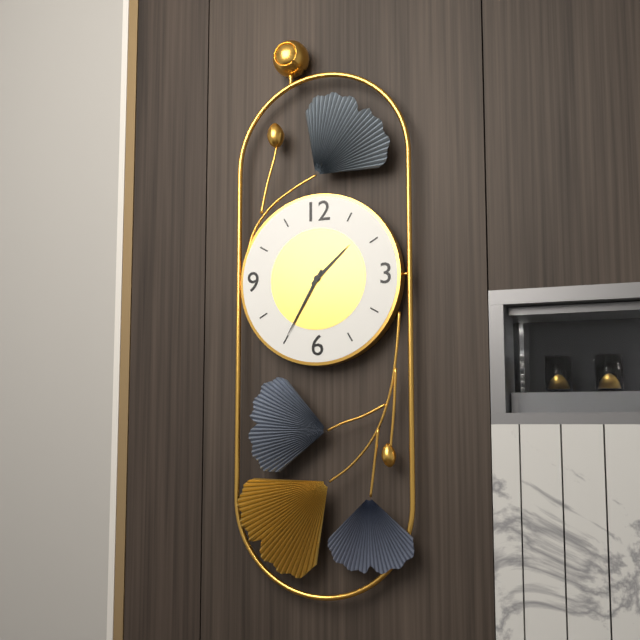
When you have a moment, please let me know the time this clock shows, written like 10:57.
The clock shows 1:35
